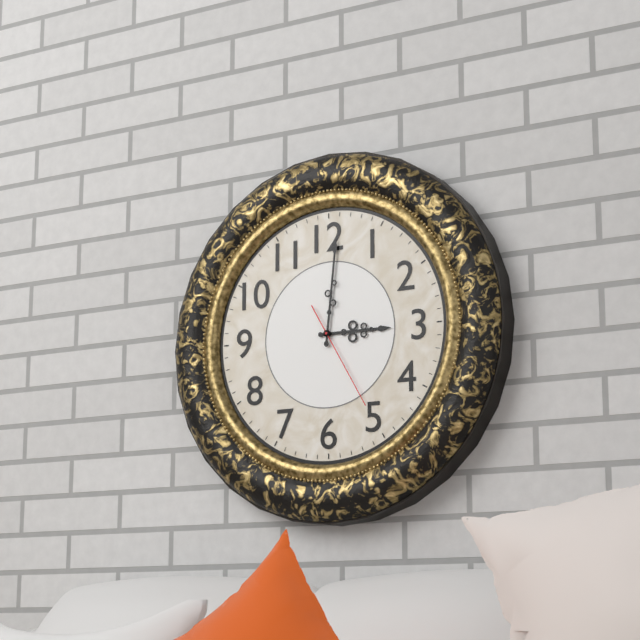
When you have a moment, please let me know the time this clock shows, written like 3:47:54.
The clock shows 3:01:25
